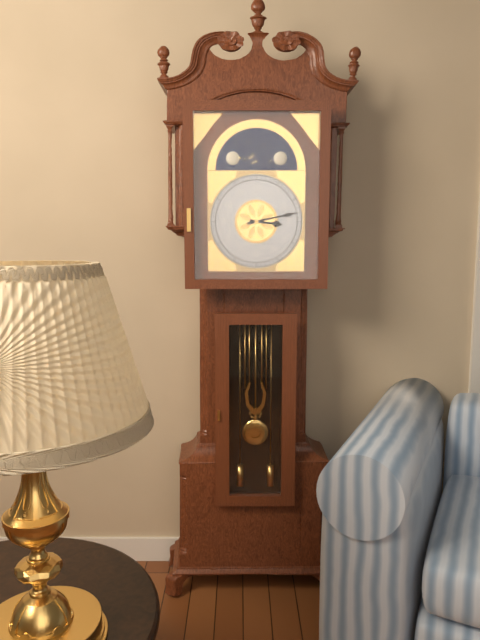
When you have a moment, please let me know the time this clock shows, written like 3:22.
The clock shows 3:13
